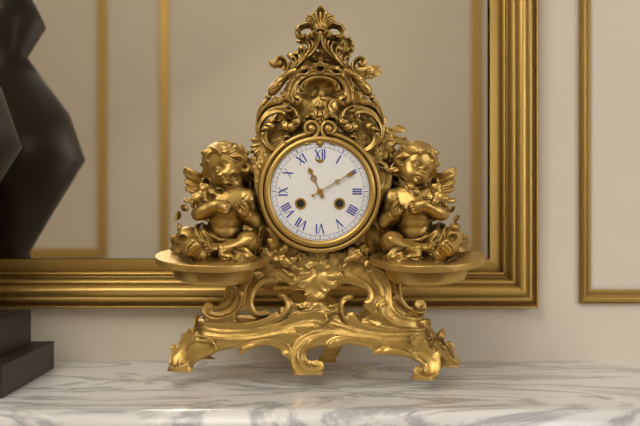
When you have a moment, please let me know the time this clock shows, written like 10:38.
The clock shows 11:10
